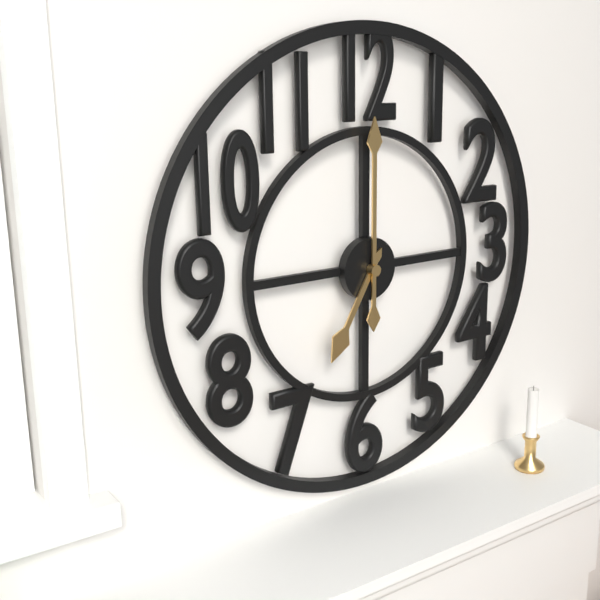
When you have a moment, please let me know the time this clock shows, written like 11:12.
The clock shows 7:00
